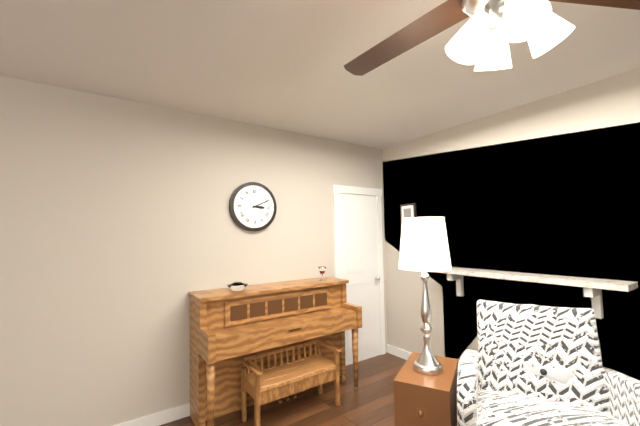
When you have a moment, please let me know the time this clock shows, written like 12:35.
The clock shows 3:11
